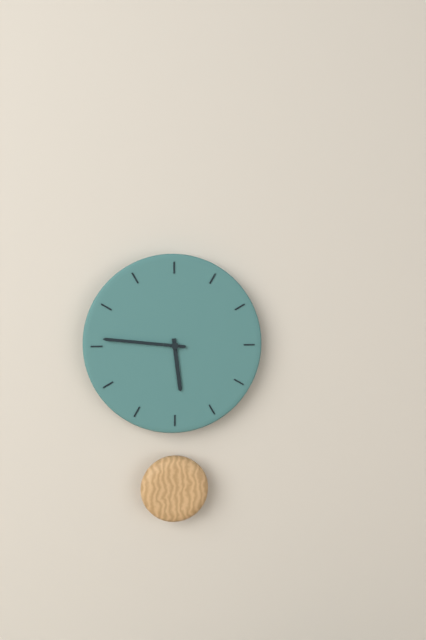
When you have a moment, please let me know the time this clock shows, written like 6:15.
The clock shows 5:46
